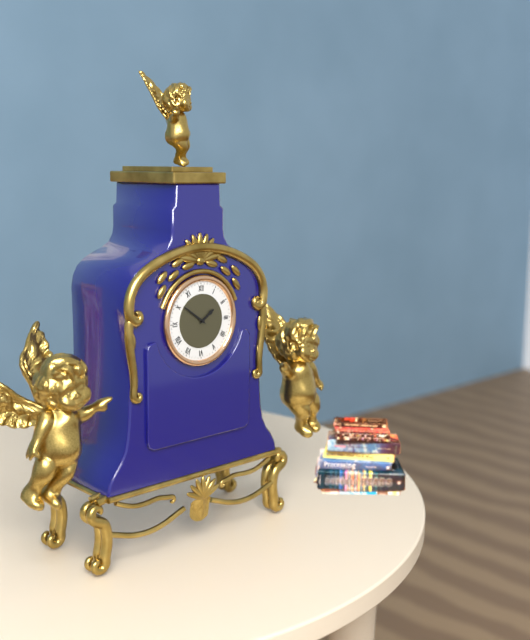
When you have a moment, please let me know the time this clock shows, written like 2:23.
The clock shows 1:51
